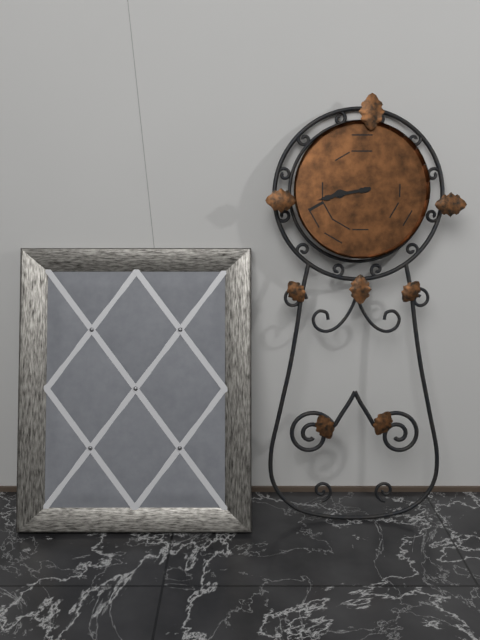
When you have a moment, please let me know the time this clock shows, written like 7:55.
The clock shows 8:43
